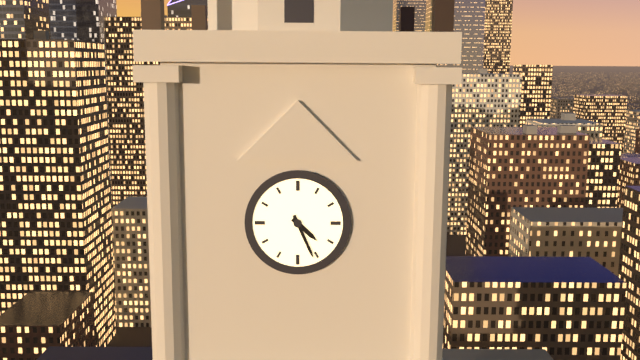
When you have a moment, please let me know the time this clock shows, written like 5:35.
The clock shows 4:26
